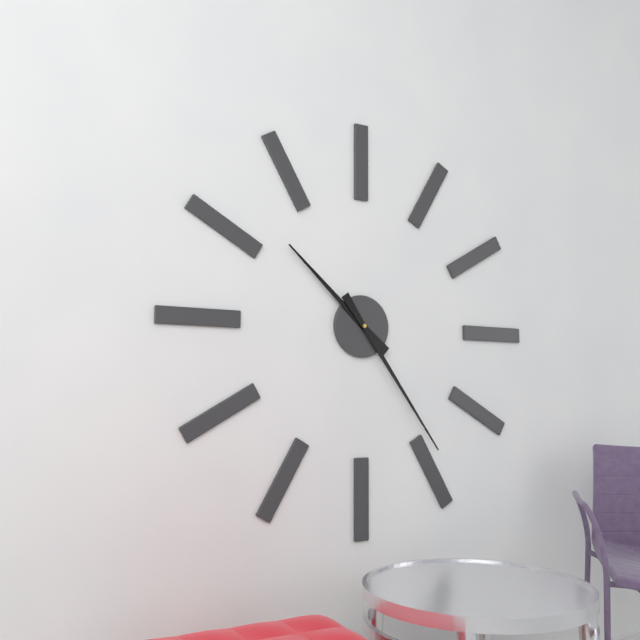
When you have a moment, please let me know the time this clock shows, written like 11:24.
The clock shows 10:24
